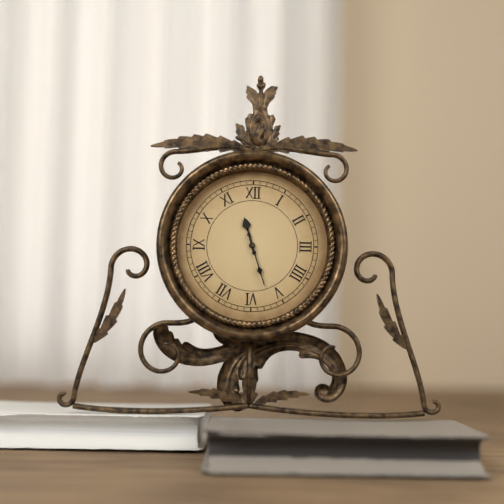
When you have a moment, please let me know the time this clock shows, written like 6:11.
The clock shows 11:27
